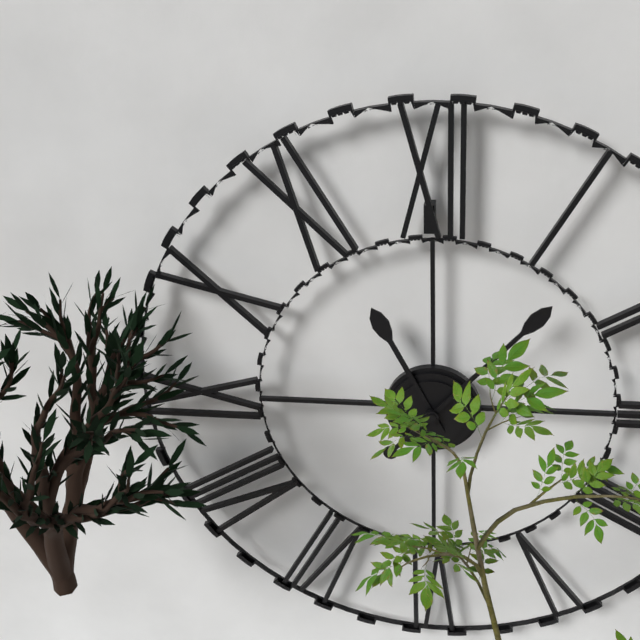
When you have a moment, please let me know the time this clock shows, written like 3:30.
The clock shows 11:07
